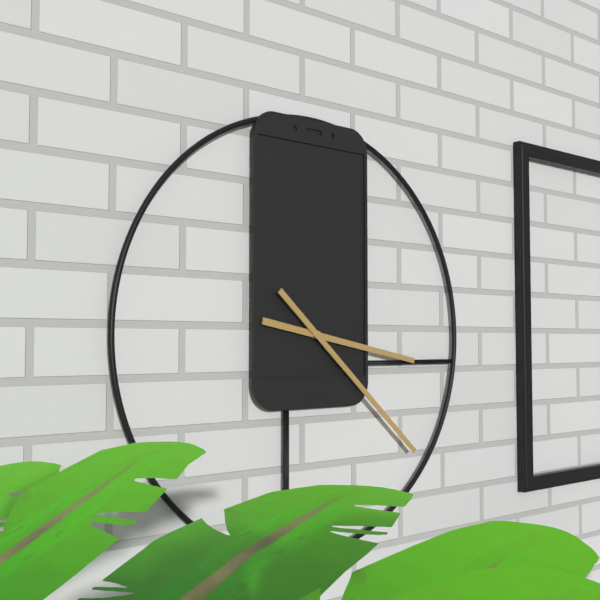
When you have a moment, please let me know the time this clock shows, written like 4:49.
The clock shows 3:22
